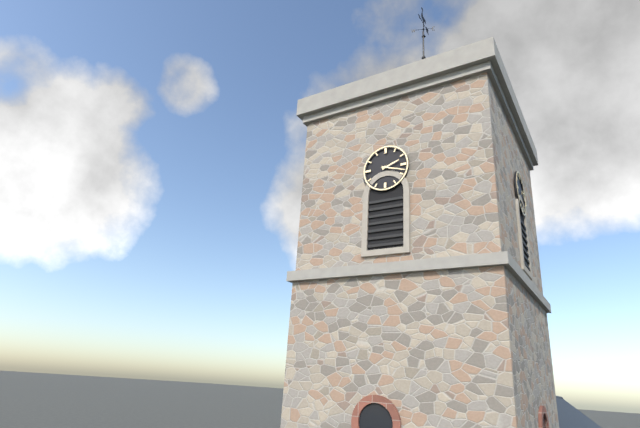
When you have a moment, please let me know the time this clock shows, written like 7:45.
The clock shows 2:18
